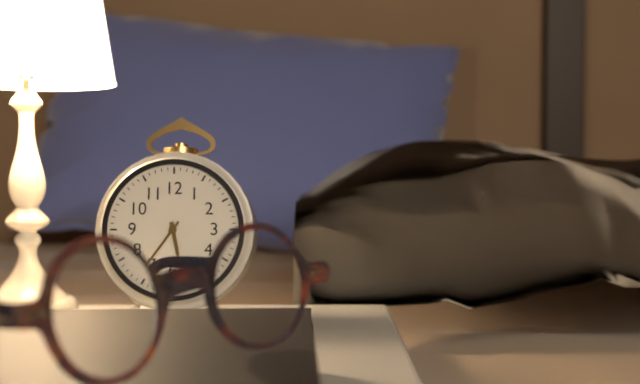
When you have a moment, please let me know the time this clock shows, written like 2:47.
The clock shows 5:36
